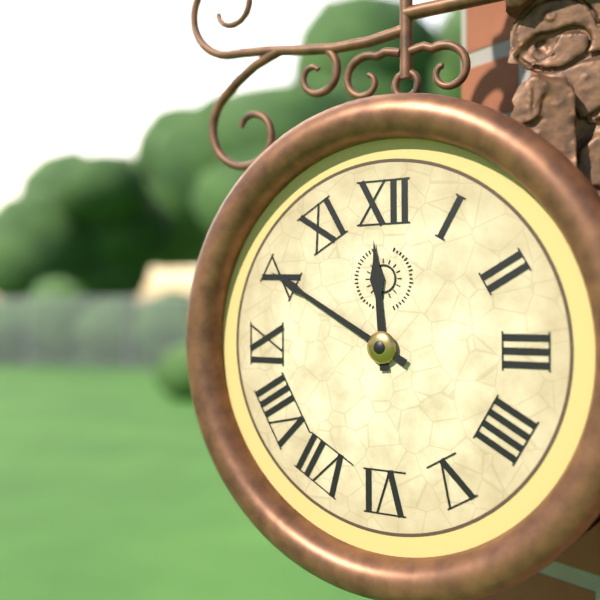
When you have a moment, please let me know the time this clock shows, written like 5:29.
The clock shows 11:50
